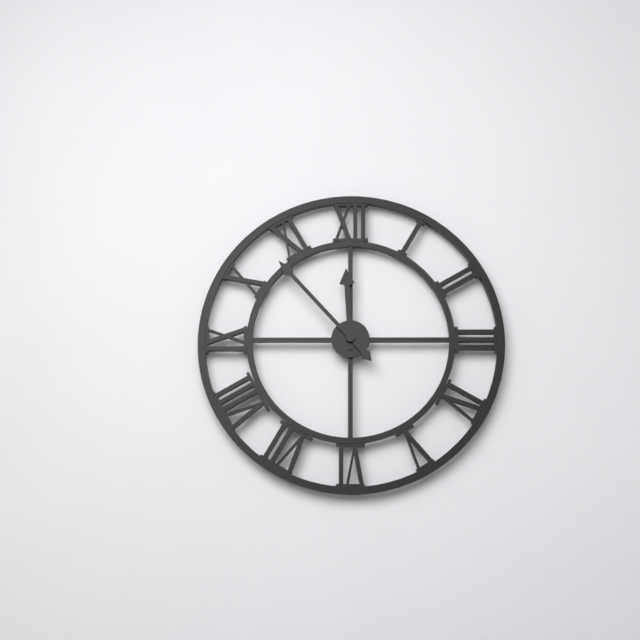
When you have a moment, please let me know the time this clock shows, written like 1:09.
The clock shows 11:53
